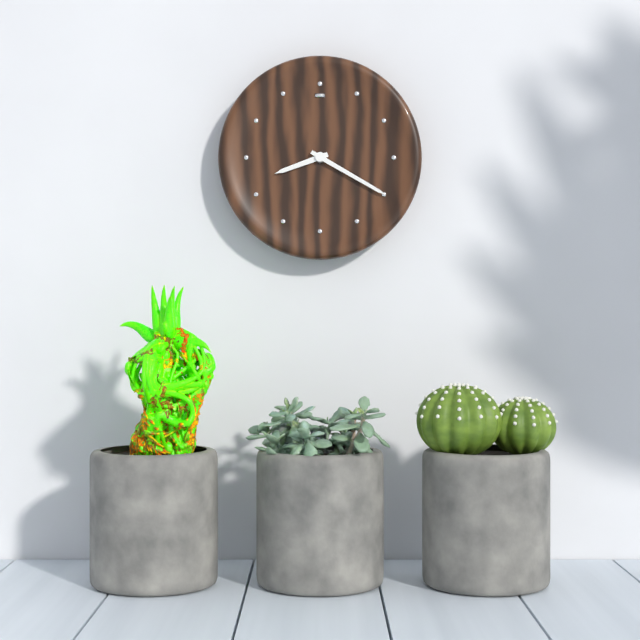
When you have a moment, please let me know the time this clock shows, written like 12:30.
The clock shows 8:20
